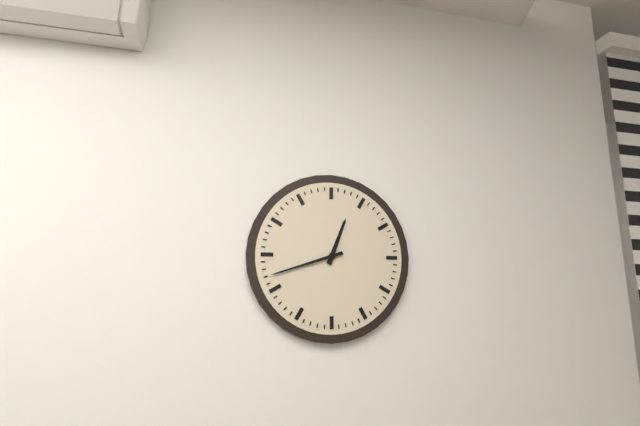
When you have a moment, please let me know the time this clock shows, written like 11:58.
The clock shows 12:42
